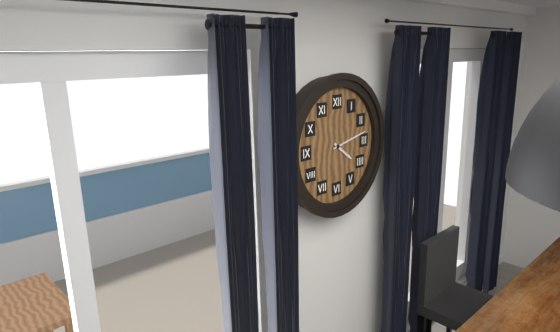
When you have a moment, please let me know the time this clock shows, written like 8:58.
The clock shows 4:13
